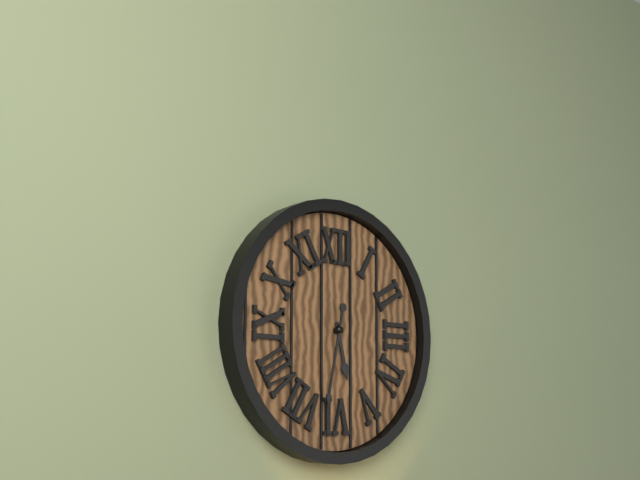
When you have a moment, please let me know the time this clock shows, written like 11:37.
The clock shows 5:32
